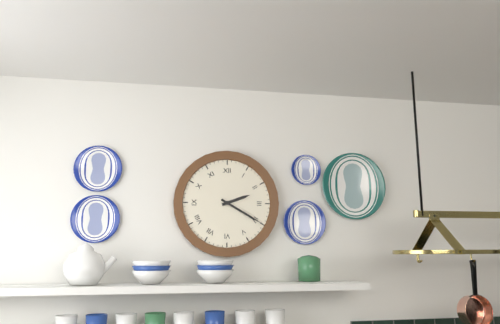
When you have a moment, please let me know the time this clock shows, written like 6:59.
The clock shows 2:20
